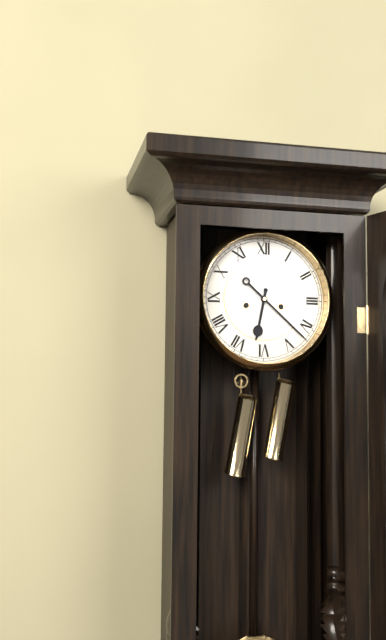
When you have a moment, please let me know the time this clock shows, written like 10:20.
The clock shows 6:22
